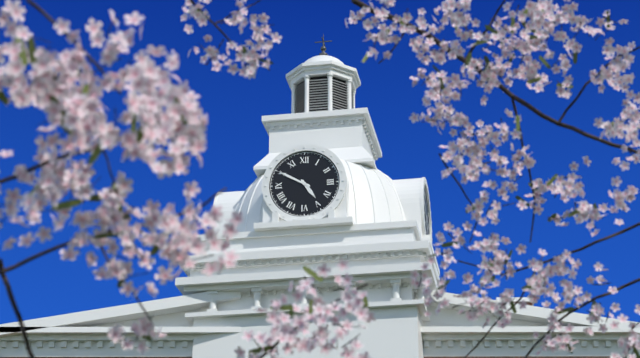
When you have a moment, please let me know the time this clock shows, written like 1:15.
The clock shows 4:50
